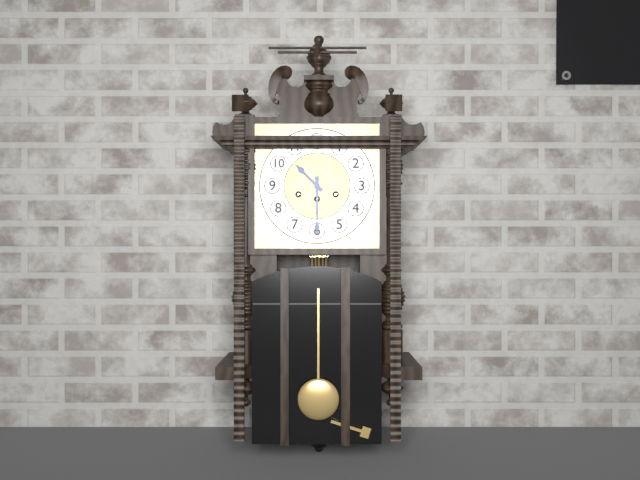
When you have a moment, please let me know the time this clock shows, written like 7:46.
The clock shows 10:30
